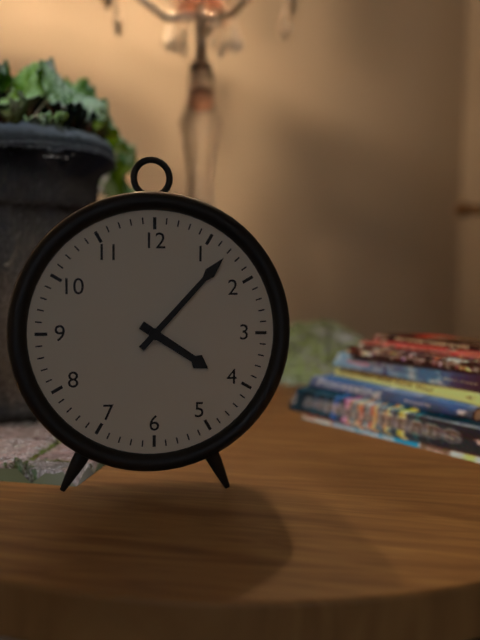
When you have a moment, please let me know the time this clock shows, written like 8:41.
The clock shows 4:07
